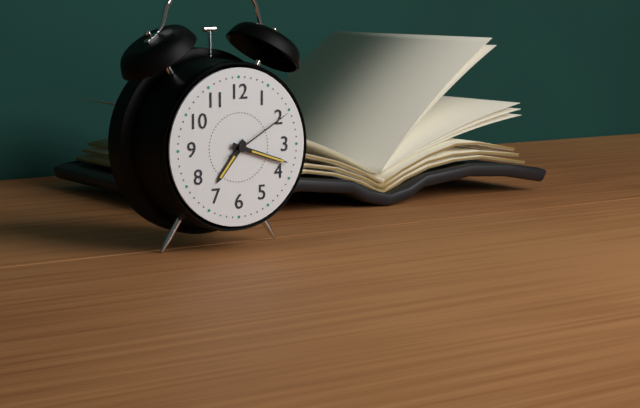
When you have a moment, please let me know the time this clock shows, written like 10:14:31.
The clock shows 7:18:10
